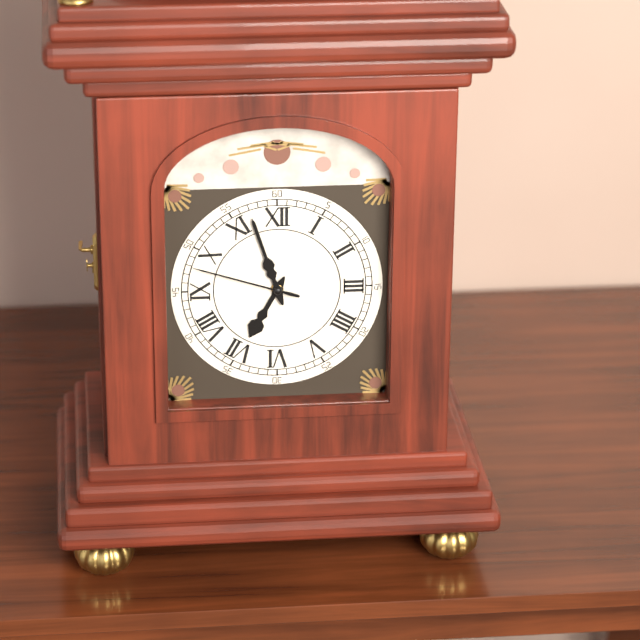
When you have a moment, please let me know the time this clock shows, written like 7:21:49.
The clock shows 6:57:48
